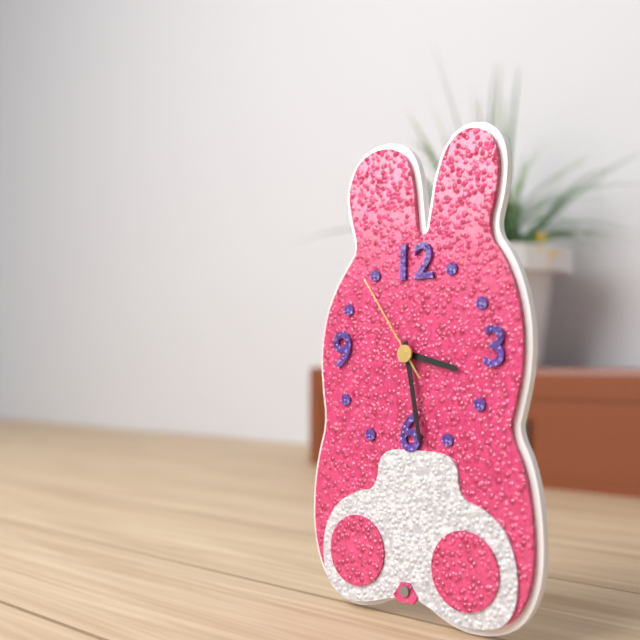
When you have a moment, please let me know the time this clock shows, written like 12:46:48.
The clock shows 3:28:54
